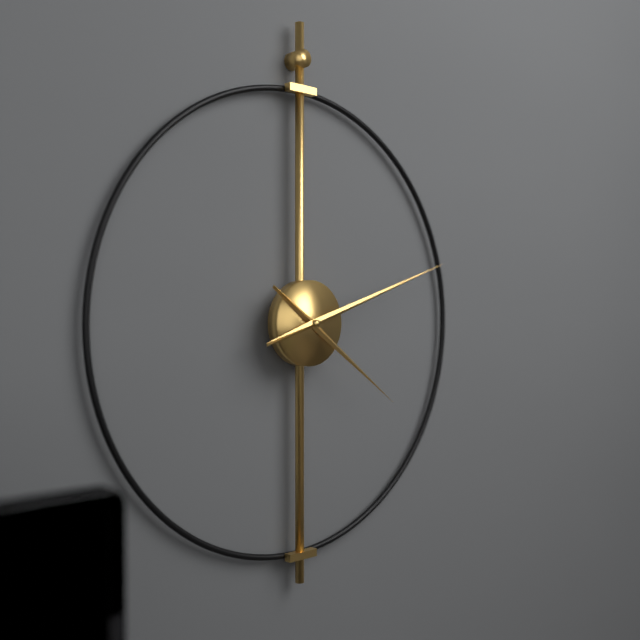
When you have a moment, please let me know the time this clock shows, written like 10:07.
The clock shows 4:12
